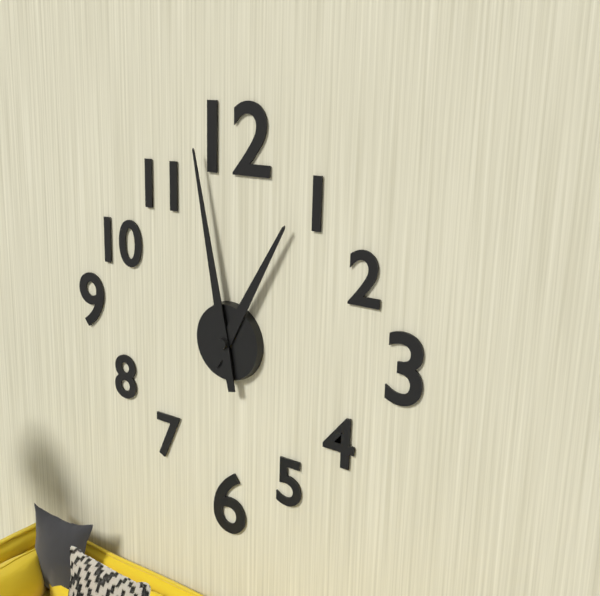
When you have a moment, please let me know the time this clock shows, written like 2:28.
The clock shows 12:58
